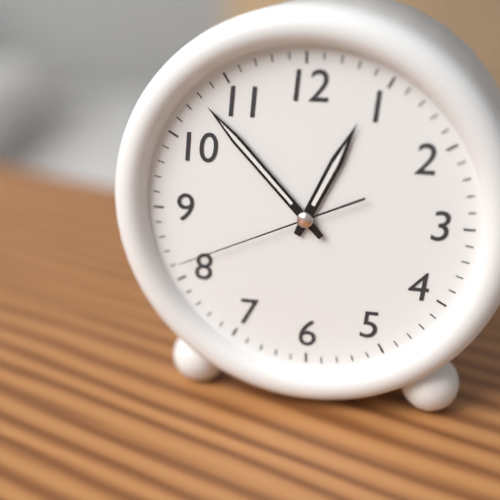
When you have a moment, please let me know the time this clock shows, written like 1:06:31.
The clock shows 12:53:41
